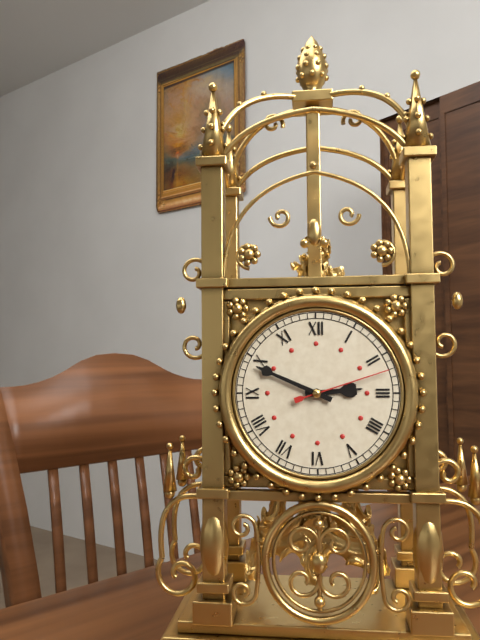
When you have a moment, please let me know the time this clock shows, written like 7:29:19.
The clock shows 2:49:12
